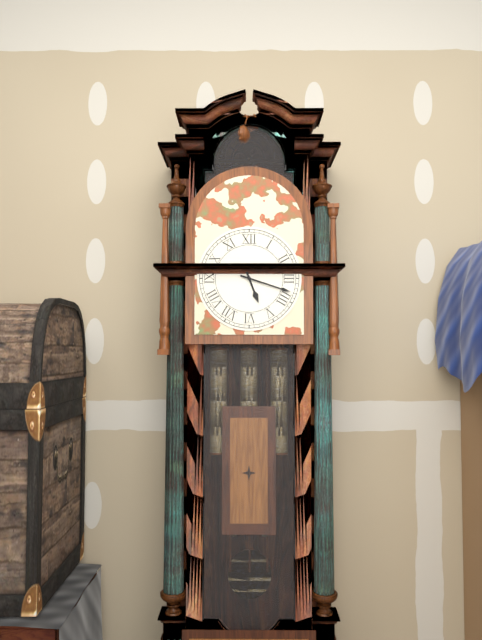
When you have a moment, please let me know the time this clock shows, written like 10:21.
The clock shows 5:18
